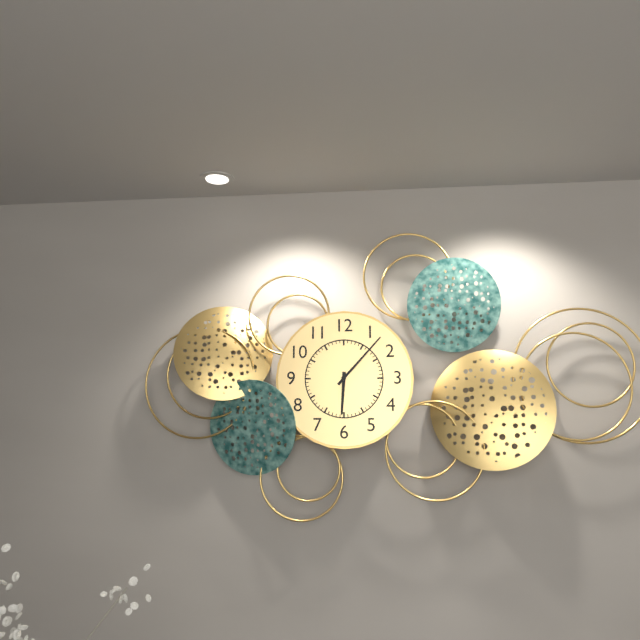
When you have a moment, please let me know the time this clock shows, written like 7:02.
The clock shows 6:07
